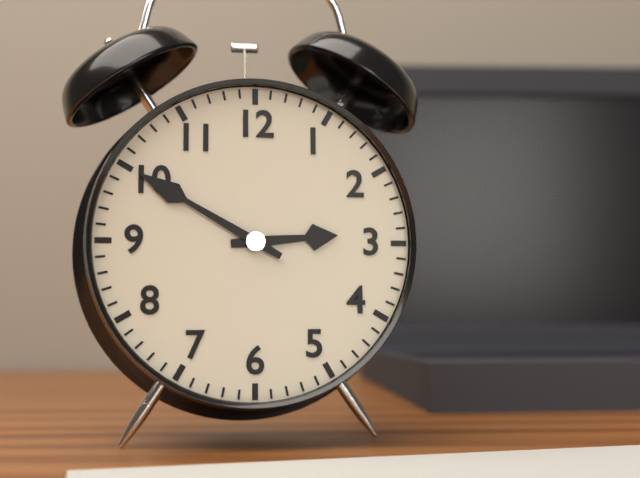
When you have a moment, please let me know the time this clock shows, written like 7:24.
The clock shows 2:50
